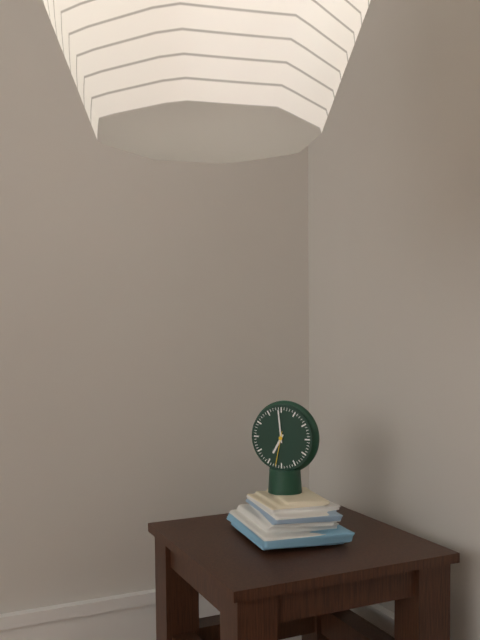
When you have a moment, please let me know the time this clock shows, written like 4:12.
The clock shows 6:59
